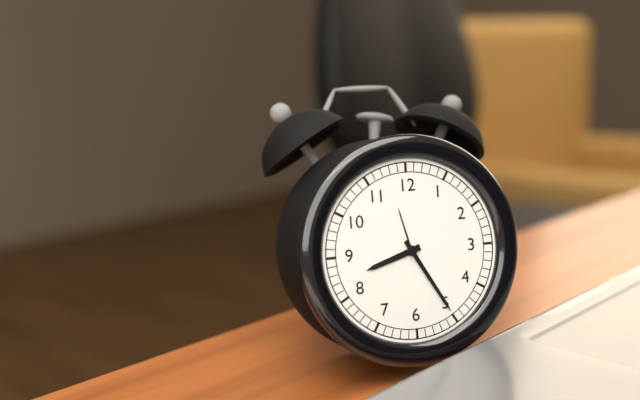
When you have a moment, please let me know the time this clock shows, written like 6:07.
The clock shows 8:25
